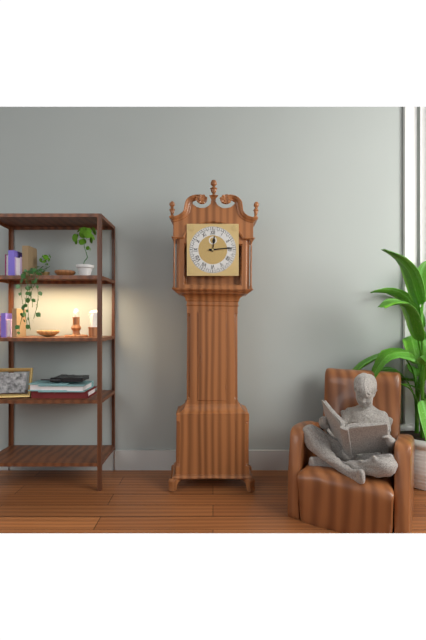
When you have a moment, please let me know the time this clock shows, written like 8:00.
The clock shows 12:14
